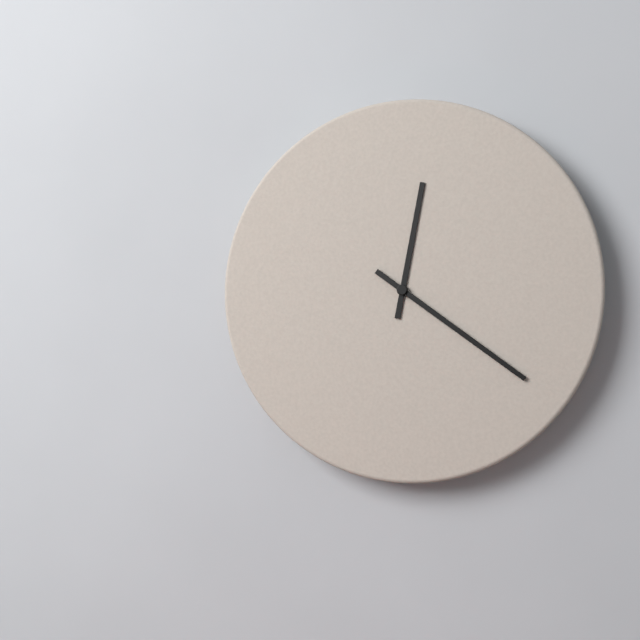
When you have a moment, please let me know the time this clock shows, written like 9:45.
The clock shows 12:21
